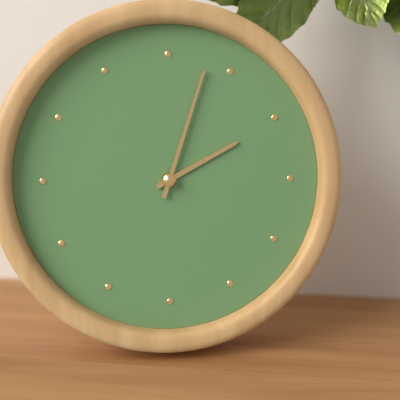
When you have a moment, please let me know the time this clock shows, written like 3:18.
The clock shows 2:03
